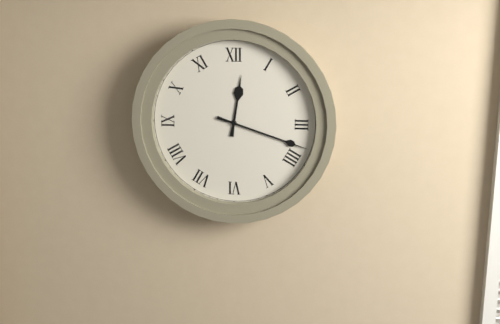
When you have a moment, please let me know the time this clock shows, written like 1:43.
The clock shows 12:18
